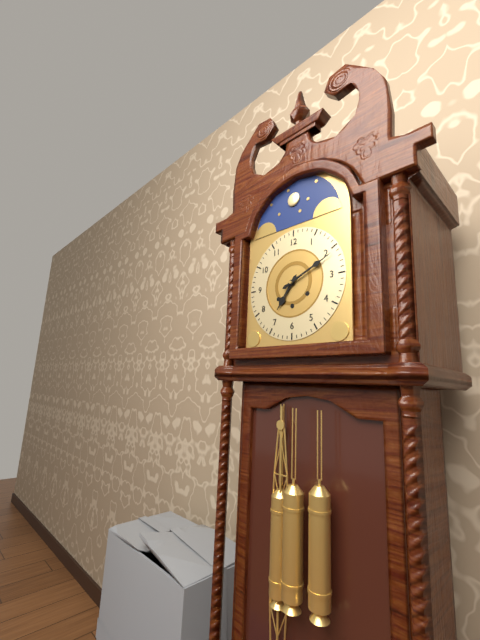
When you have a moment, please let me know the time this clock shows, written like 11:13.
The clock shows 7:11
